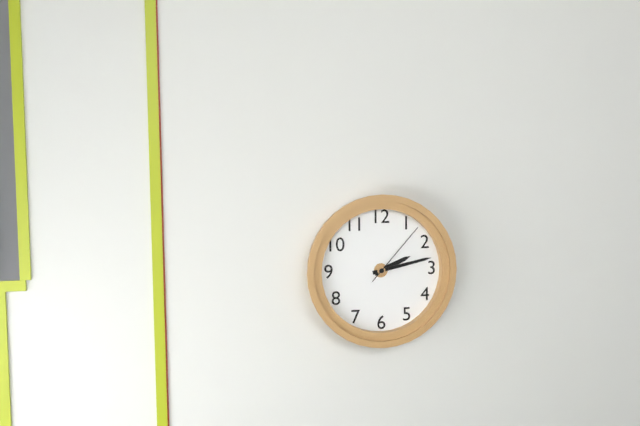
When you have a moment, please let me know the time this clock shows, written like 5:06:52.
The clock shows 2:13:07
